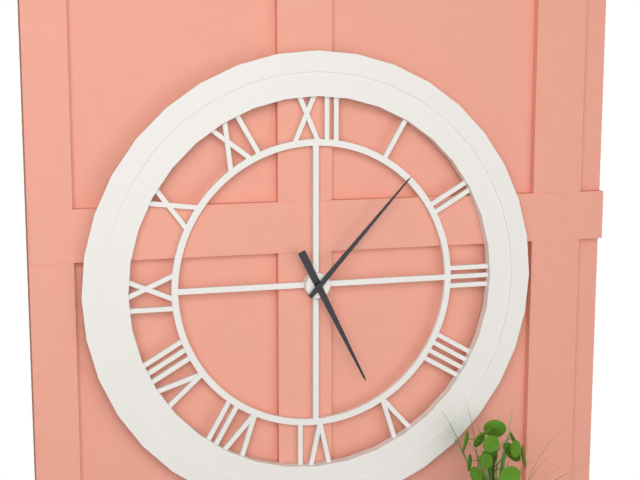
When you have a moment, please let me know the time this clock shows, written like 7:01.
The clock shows 5:07
